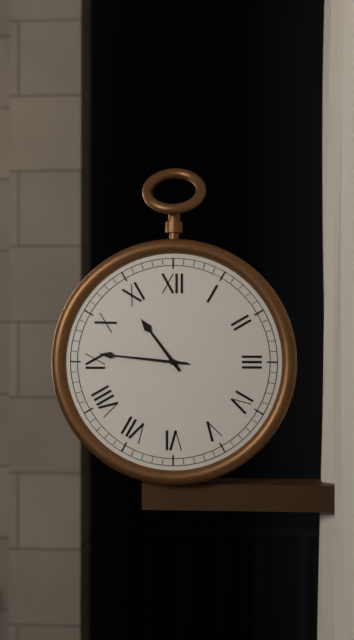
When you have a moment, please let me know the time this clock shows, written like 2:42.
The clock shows 10:46
